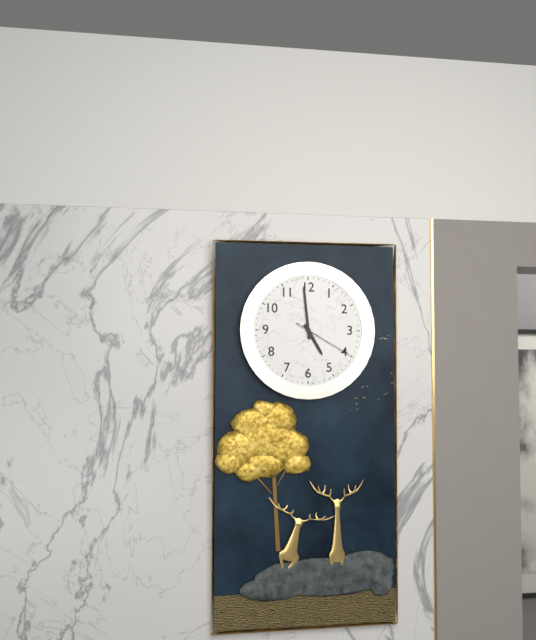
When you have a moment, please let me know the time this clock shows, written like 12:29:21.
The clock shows 4:59:20
